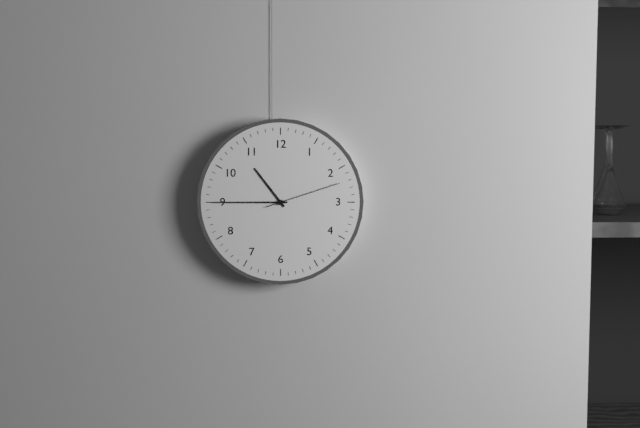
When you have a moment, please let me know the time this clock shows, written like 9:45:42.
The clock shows 10:45:12
